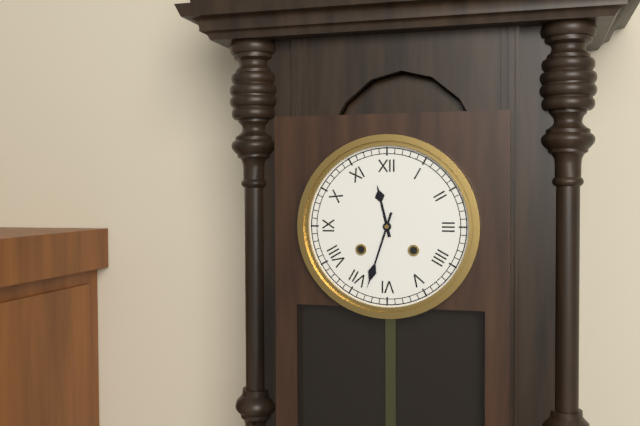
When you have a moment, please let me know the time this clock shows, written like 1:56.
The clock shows 11:33
